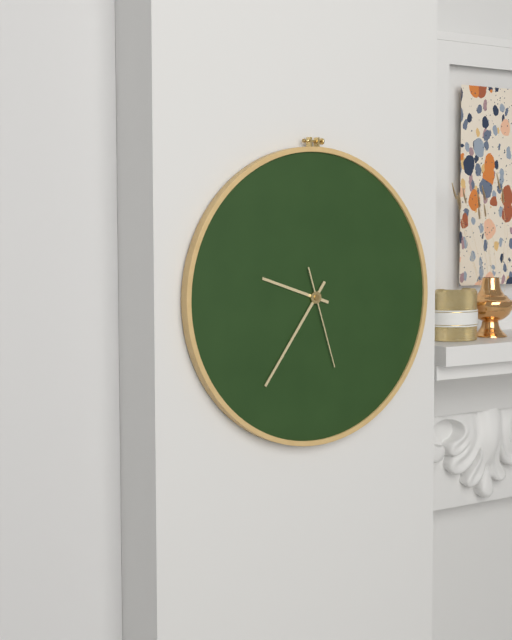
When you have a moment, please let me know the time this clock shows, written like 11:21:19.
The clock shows 9:36:27
